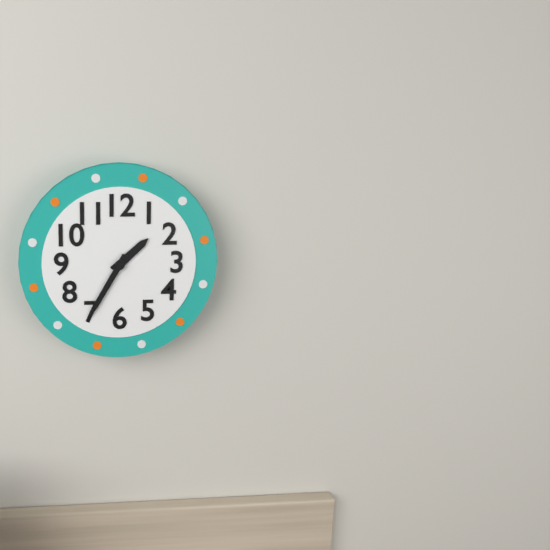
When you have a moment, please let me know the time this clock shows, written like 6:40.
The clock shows 1:35
